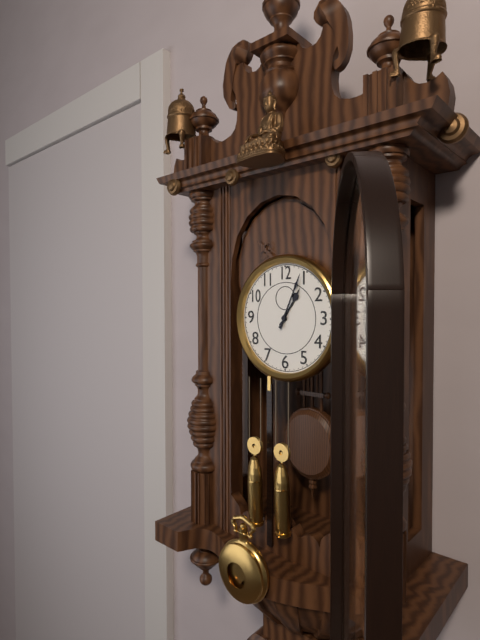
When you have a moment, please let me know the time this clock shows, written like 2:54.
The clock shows 1:04
